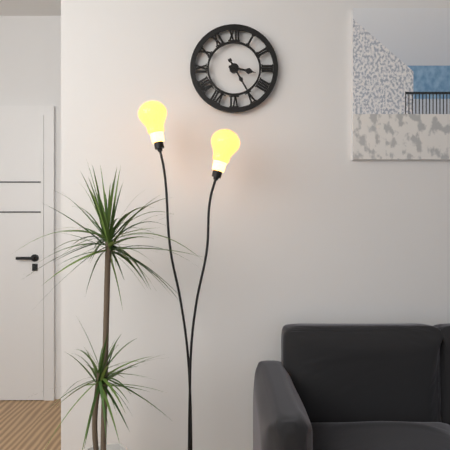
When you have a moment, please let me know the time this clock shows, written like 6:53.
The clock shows 3:25
